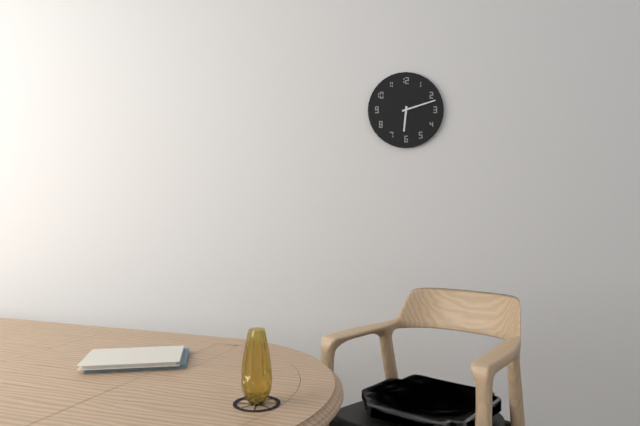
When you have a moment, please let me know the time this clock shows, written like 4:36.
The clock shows 6:12
